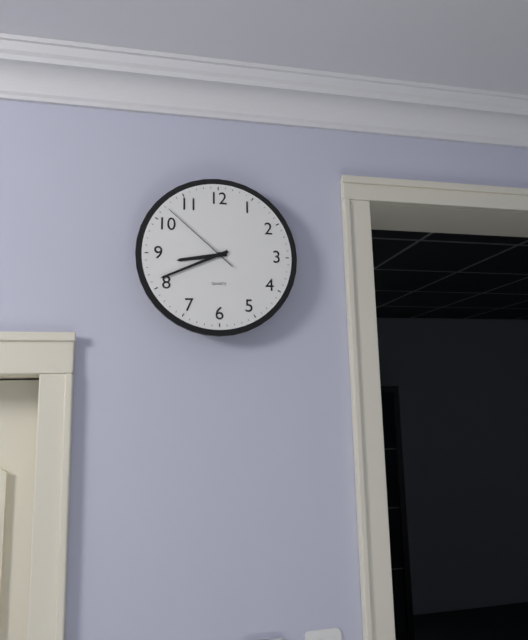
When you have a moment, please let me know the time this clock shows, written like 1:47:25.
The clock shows 8:41:52
